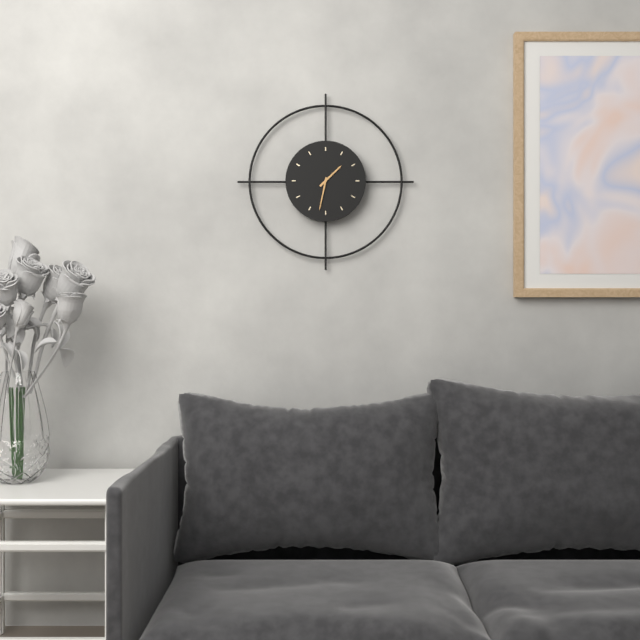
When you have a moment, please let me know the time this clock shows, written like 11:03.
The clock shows 1:32
